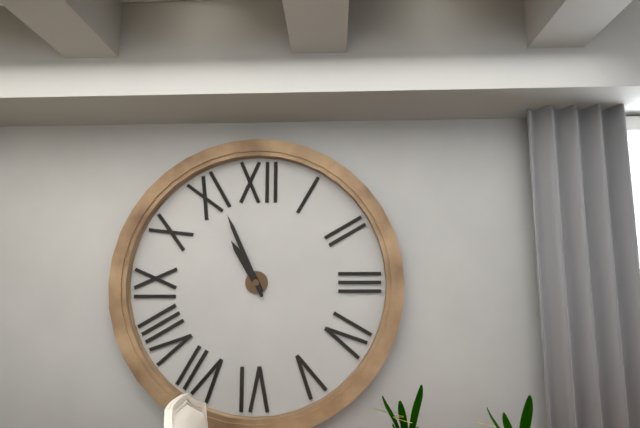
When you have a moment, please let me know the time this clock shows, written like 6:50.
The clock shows 10:56
